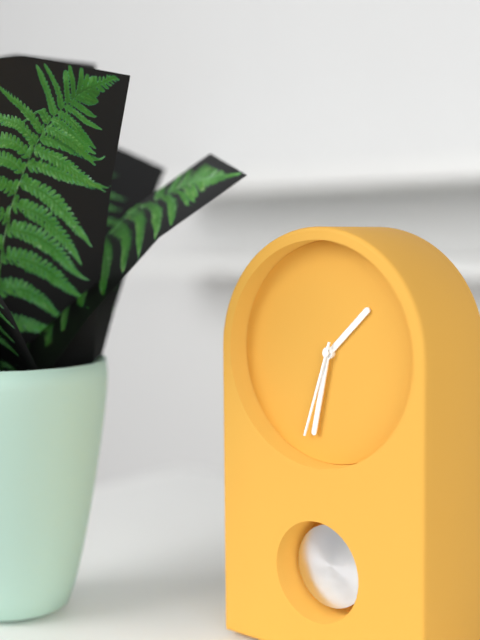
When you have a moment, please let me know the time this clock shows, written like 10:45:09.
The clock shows 1:32:33
